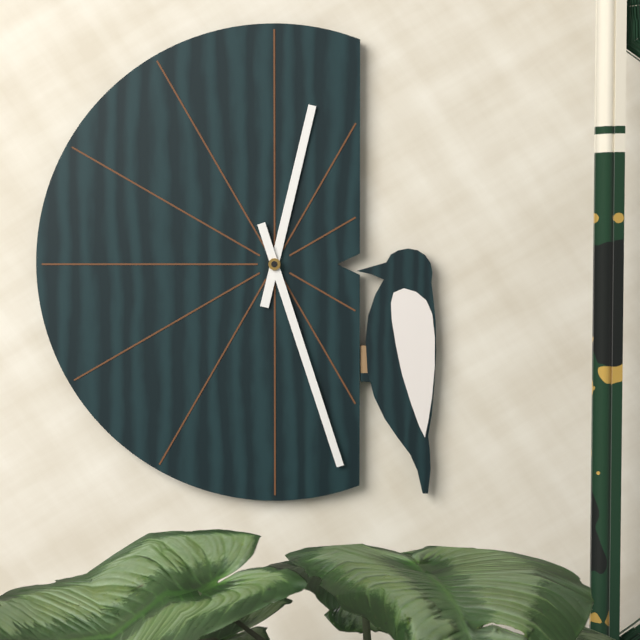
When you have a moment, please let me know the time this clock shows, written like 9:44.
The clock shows 12:27
